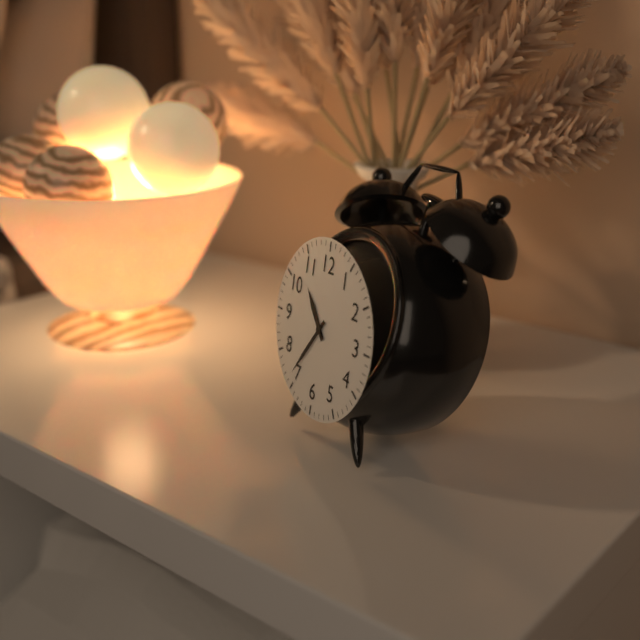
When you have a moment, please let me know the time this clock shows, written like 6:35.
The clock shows 10:36
